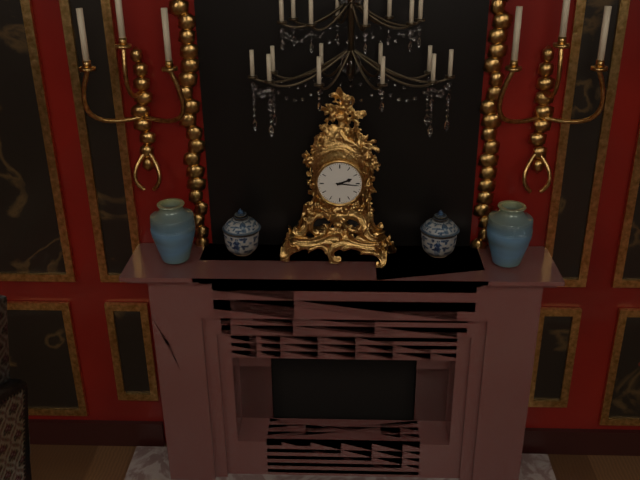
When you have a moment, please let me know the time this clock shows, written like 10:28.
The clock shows 2:16
